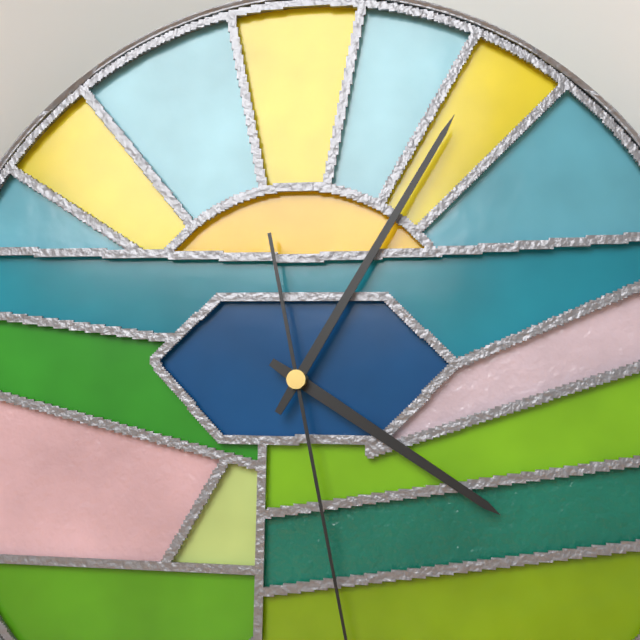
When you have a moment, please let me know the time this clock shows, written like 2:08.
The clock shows 4:05
